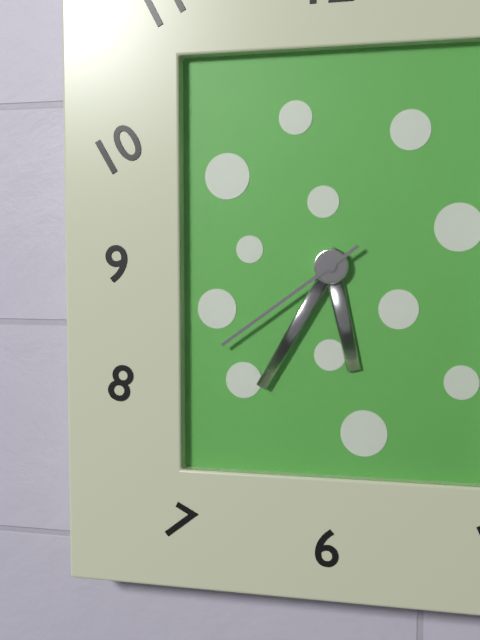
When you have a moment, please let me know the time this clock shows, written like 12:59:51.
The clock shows 5:35:39
